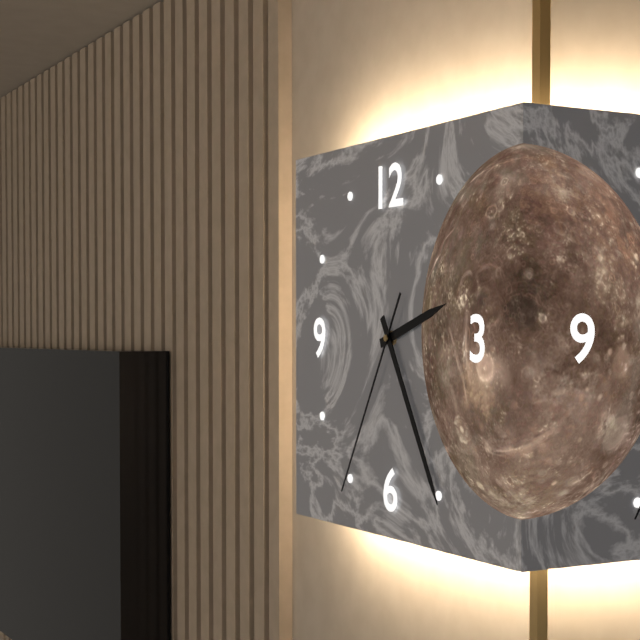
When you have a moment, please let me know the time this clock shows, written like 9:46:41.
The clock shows 2:25:35
